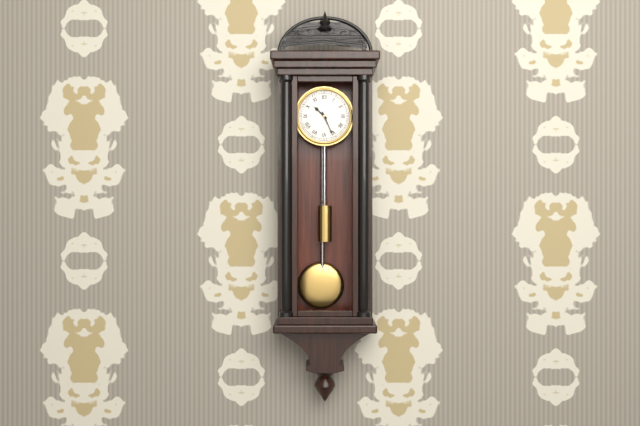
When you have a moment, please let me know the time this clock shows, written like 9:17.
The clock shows 10:26
